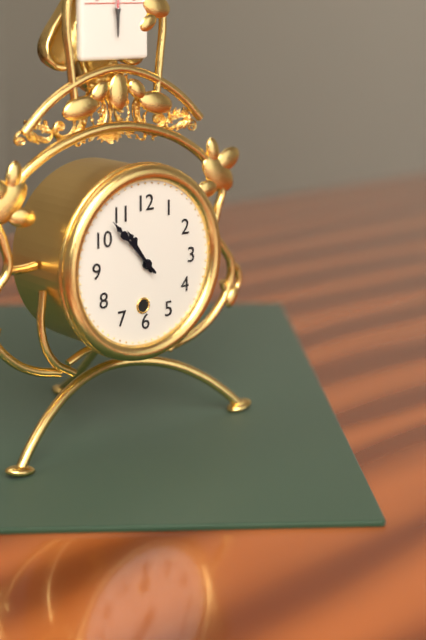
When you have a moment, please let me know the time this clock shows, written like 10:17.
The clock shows 10:53
